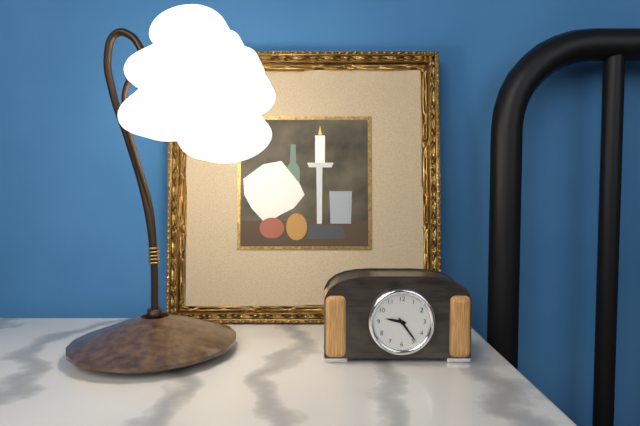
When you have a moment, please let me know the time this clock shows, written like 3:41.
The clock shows 9:24
